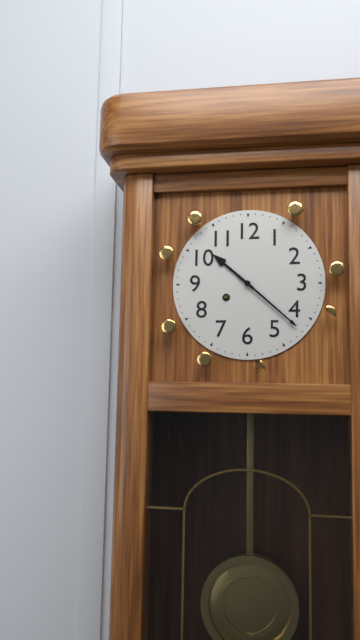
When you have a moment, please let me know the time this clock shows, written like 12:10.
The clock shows 10:22
